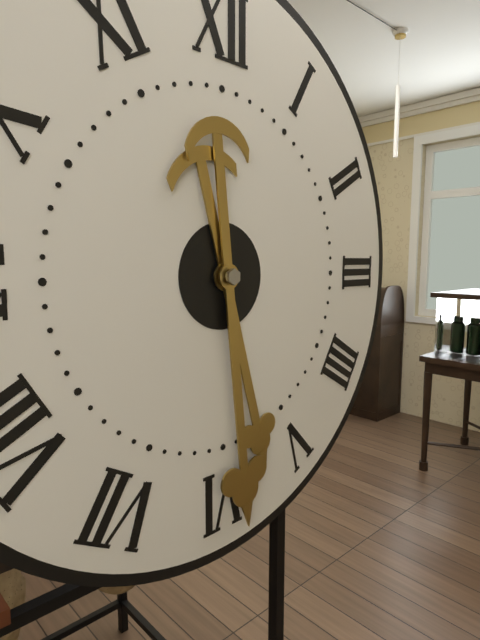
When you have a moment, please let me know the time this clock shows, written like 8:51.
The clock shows 5:29
